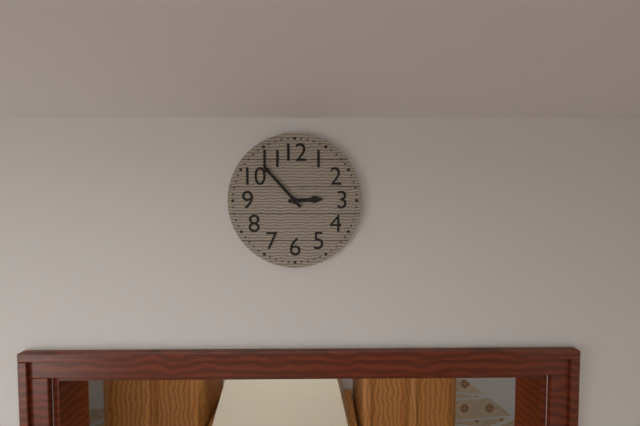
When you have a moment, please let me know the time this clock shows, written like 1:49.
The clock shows 2:53
